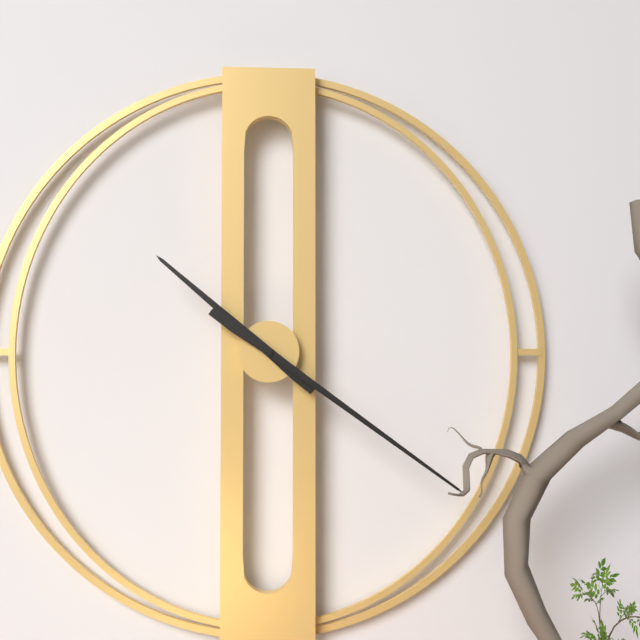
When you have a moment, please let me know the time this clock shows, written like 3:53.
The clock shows 10:21
